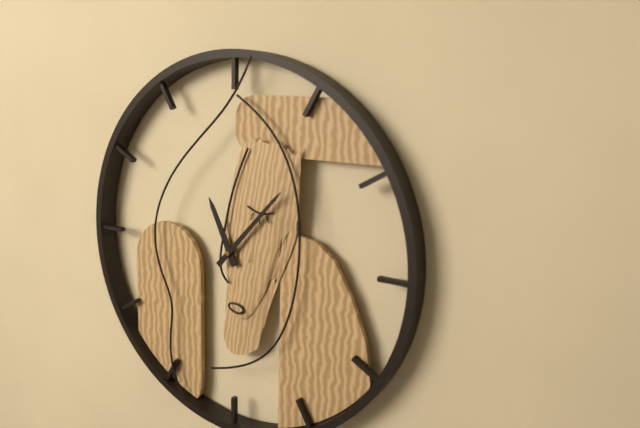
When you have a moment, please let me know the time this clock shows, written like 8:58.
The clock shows 11:07
